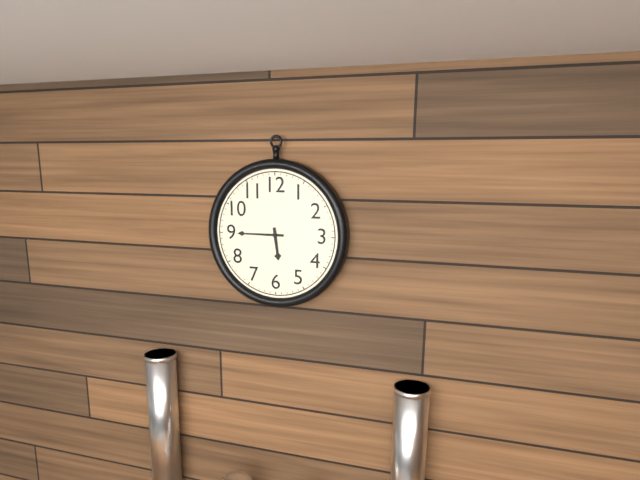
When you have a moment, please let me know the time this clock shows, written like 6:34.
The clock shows 5:45
